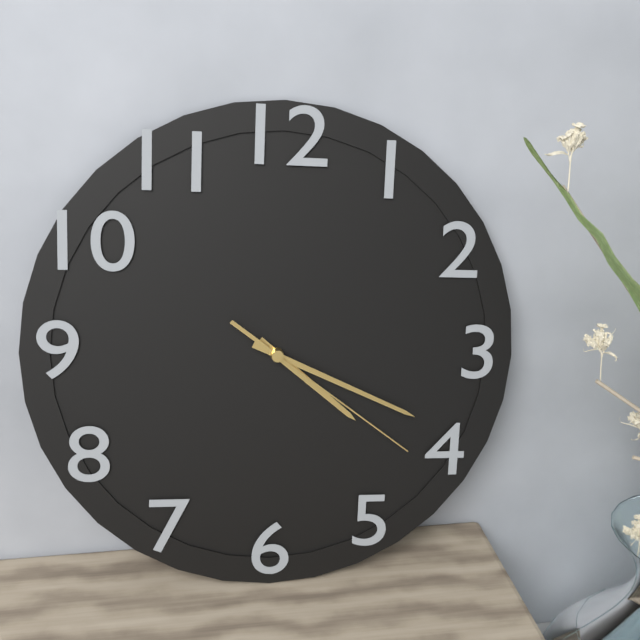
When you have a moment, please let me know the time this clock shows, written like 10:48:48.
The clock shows 4:19:21
